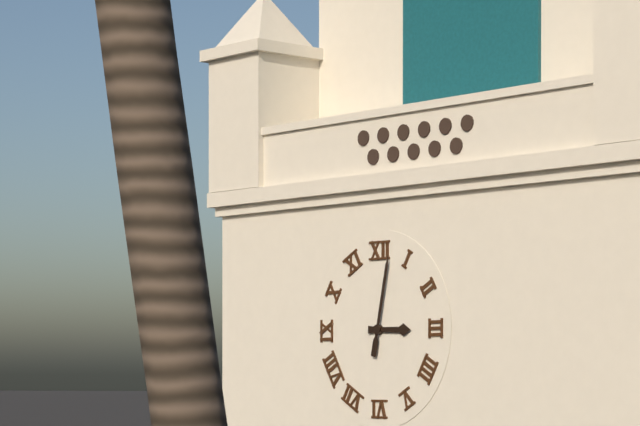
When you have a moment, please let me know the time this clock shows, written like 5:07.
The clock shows 3:02
